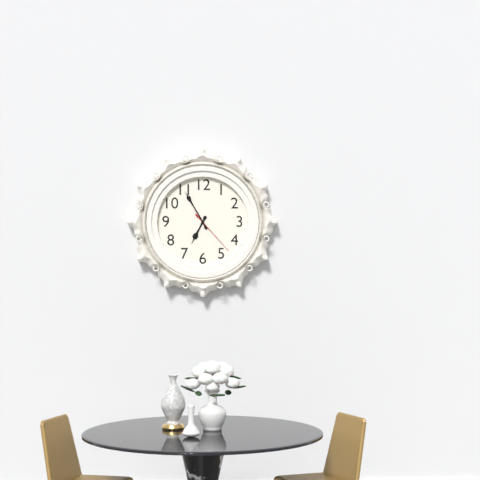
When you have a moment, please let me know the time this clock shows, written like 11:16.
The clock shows 6:55
